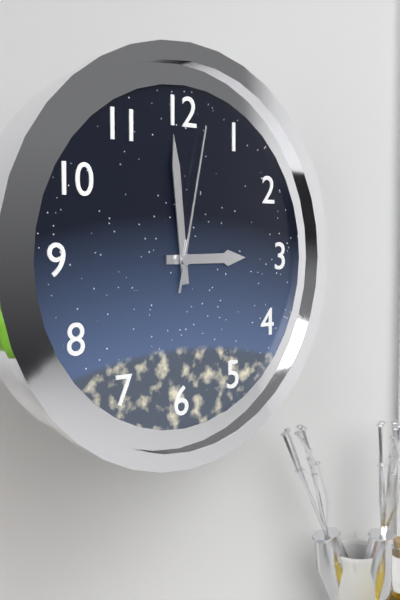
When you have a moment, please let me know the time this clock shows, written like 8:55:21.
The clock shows 2:59:02
